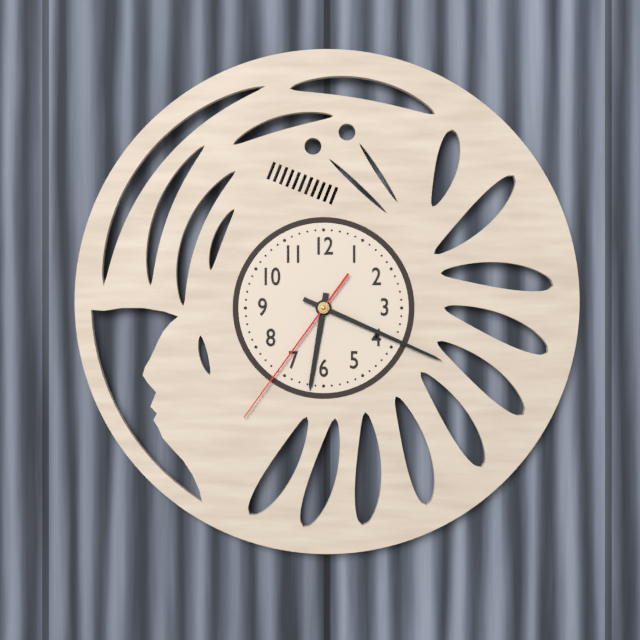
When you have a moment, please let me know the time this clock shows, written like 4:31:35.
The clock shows 6:19:36
